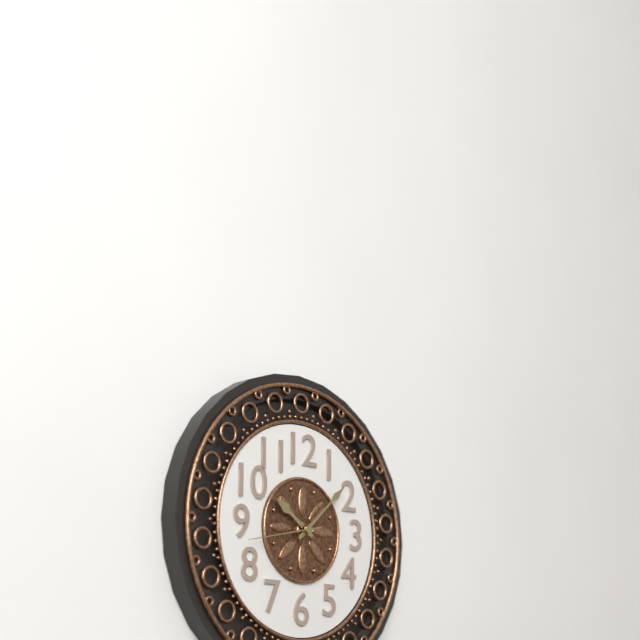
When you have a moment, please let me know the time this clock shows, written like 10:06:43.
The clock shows 10:08:43
